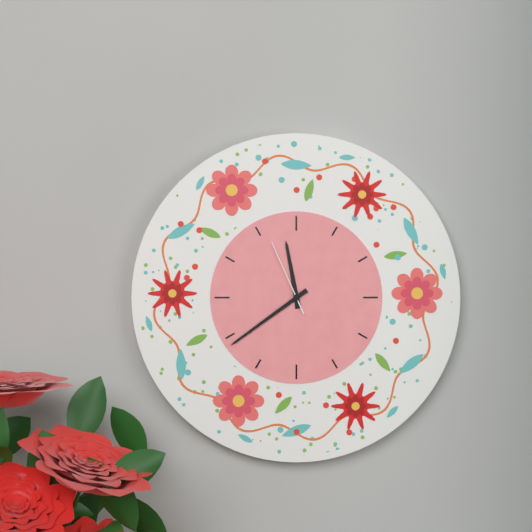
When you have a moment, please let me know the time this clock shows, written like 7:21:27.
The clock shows 11:39:56
